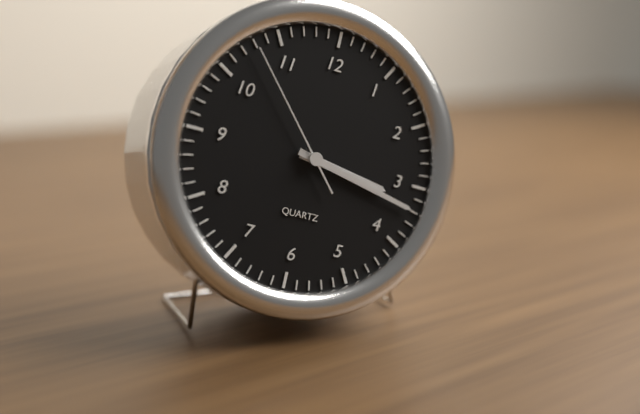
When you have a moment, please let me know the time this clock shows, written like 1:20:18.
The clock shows 3:17:53
